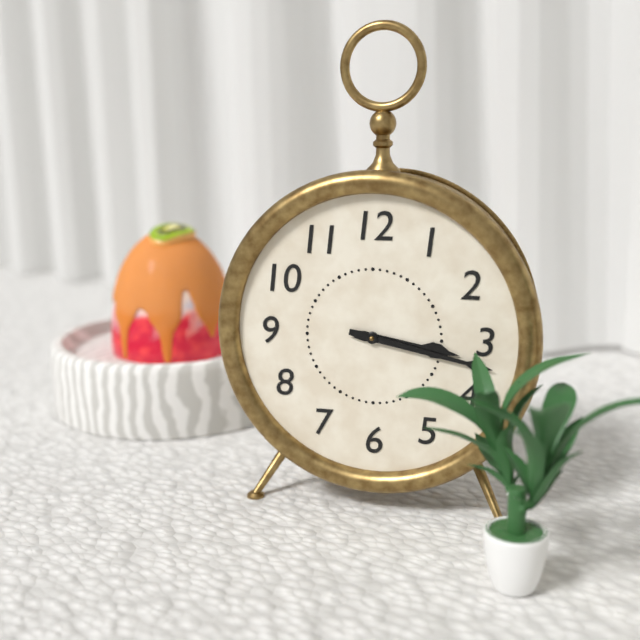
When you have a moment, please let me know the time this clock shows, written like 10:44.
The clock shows 3:17
